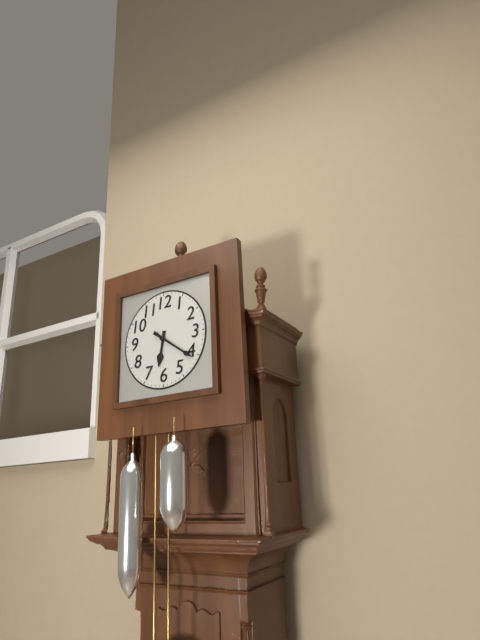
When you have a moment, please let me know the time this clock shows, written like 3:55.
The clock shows 6:21
